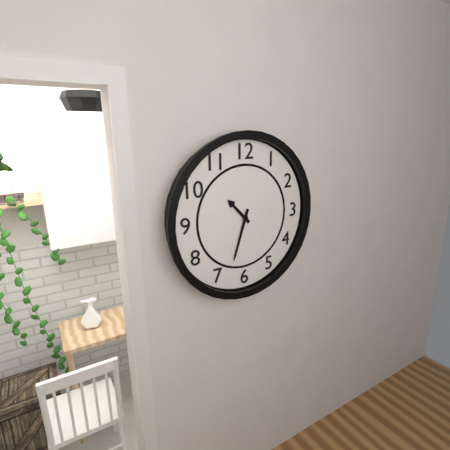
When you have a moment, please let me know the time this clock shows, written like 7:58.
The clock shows 10:33
